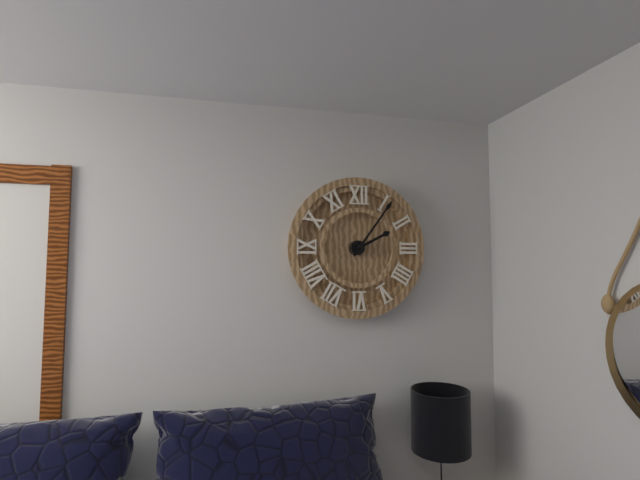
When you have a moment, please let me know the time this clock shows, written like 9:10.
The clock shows 2:06
